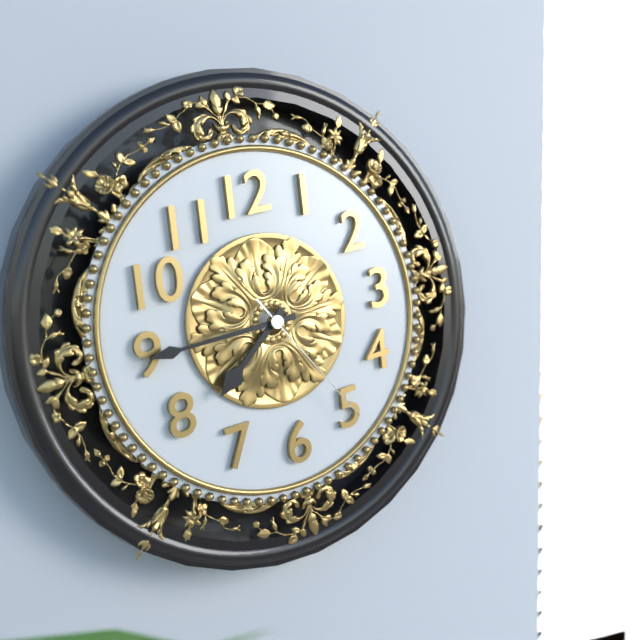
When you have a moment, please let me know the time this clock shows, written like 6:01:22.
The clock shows 7:45:25
